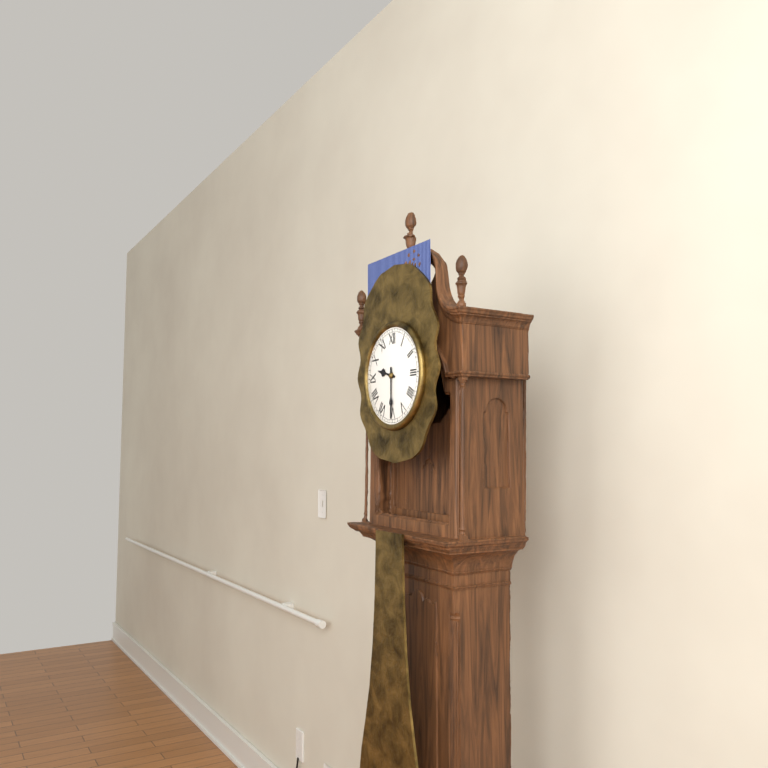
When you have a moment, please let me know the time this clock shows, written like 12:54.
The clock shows 9:30
